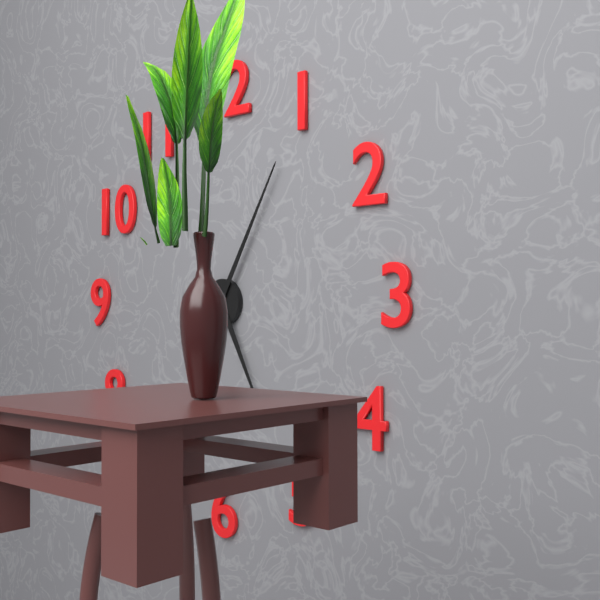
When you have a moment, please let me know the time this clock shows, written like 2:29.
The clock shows 5:05
